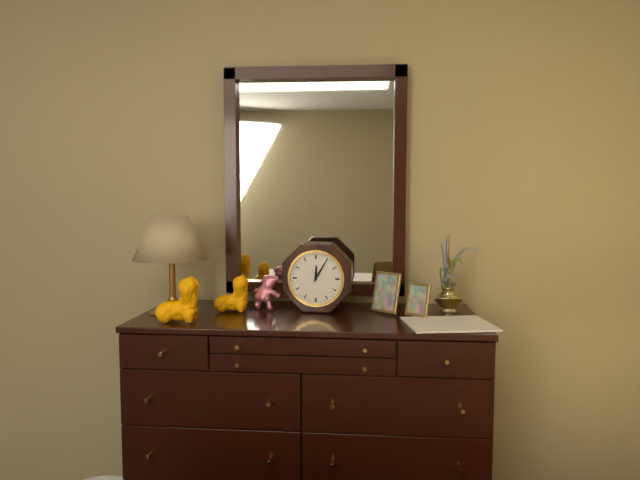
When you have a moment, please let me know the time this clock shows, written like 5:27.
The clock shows 12:05
